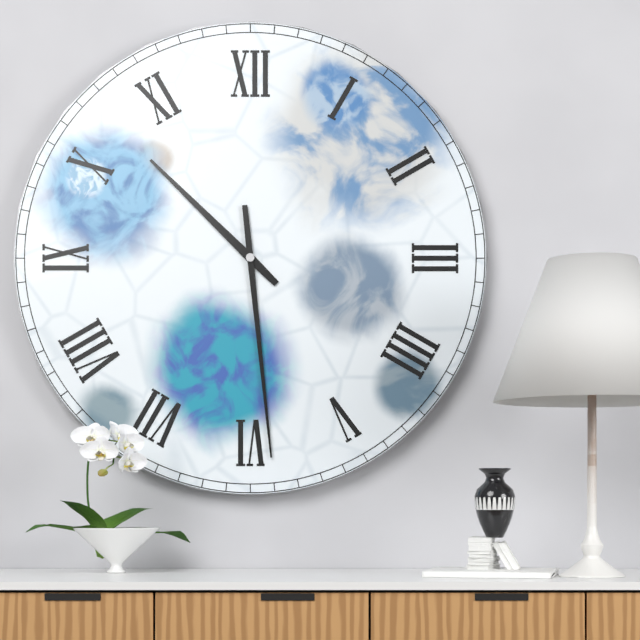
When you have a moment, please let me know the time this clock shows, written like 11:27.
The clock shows 10:29
